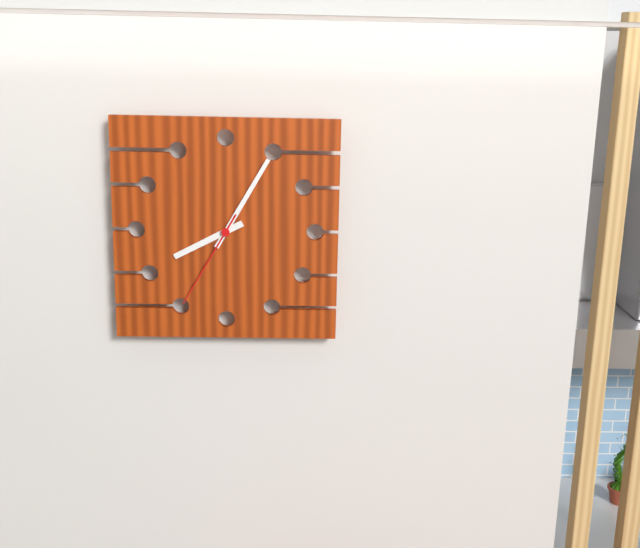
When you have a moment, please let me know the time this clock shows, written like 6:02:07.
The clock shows 8:05:35
